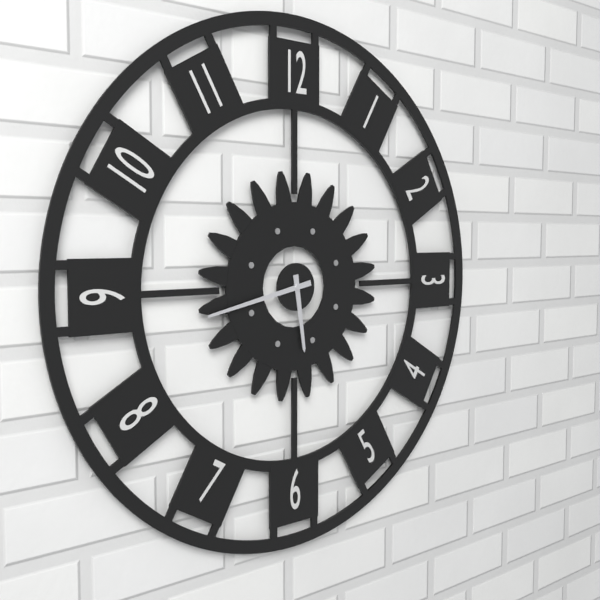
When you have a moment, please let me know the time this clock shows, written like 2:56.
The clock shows 5:43
